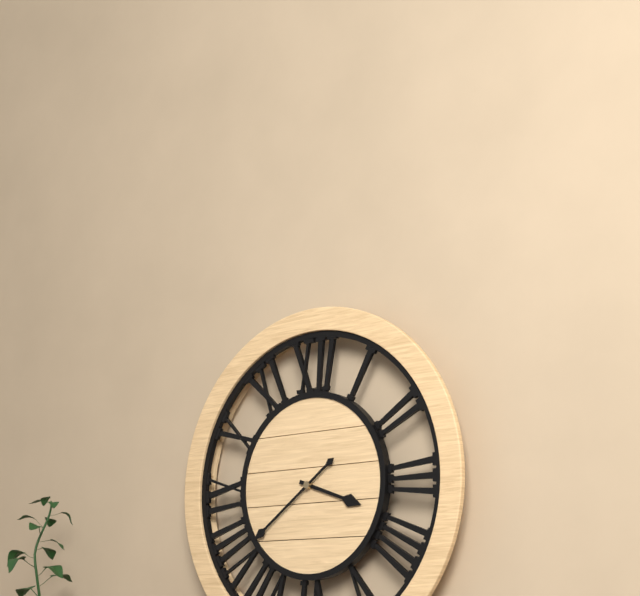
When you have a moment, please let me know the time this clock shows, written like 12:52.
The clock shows 3:39
